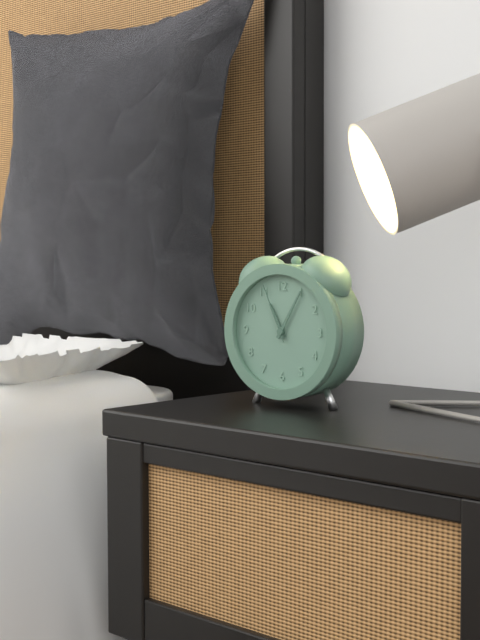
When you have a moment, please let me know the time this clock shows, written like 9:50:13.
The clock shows 11:05:56
